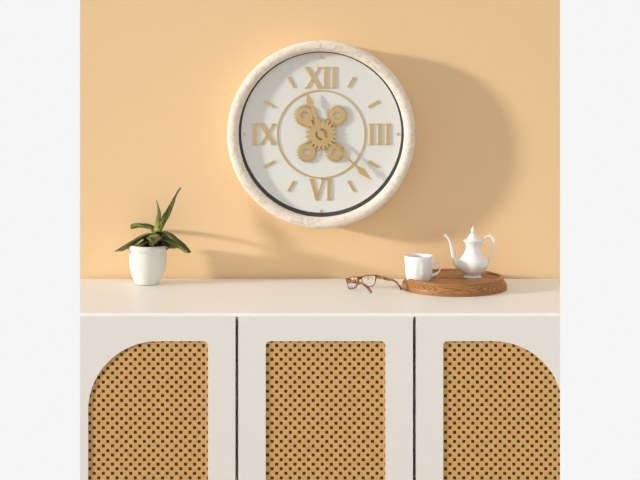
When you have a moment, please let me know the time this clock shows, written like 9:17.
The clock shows 11:22
